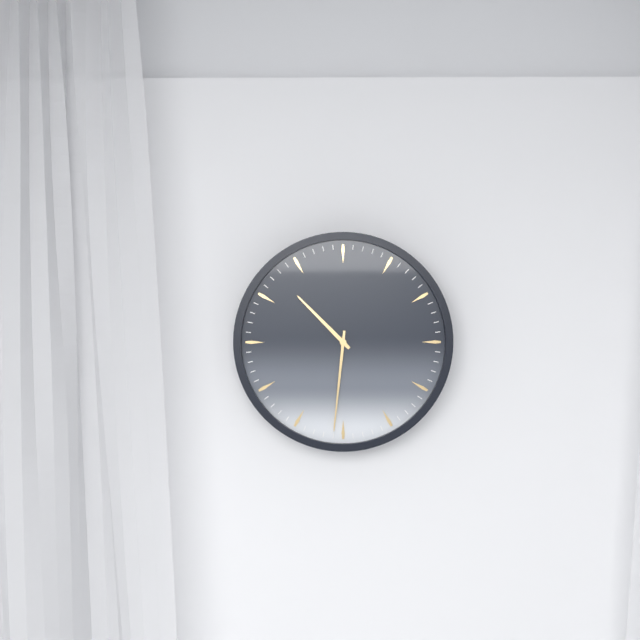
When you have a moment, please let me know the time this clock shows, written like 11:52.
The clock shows 10:31
